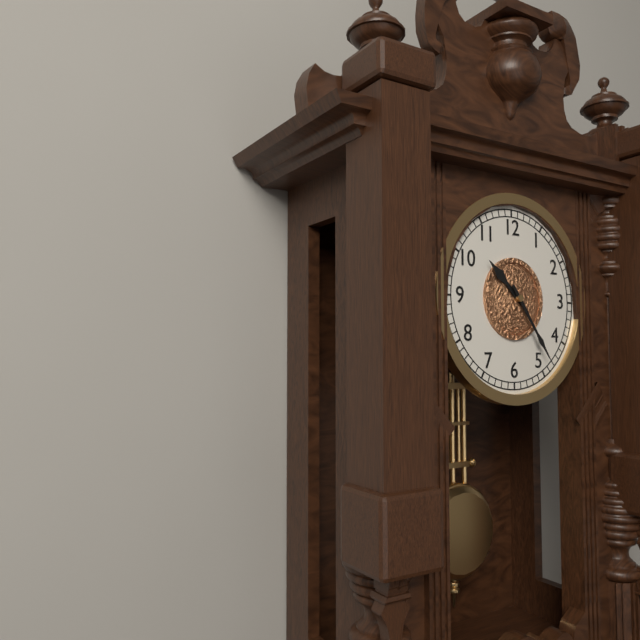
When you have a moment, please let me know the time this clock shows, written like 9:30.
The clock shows 10:24
